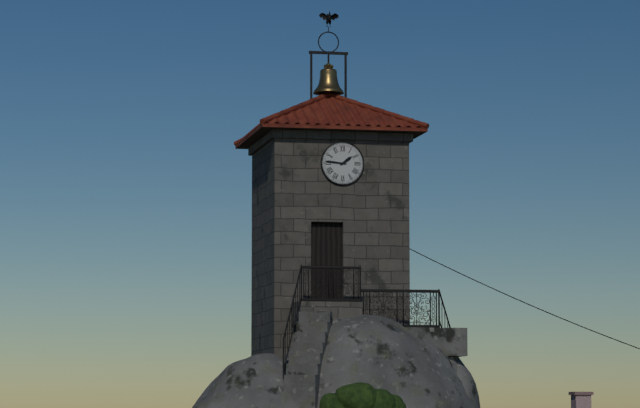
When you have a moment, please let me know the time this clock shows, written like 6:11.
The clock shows 1:46
